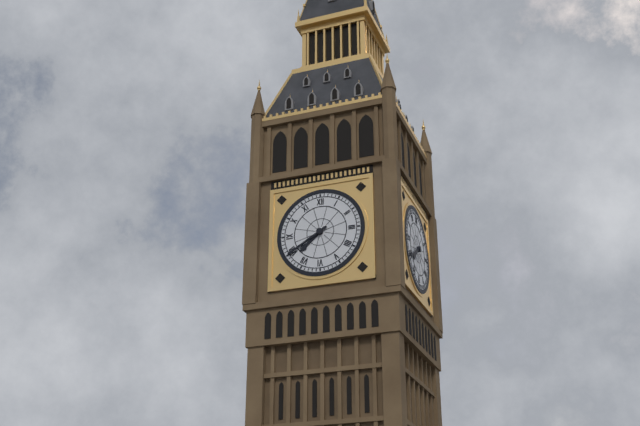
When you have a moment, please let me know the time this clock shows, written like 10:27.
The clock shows 7:40
